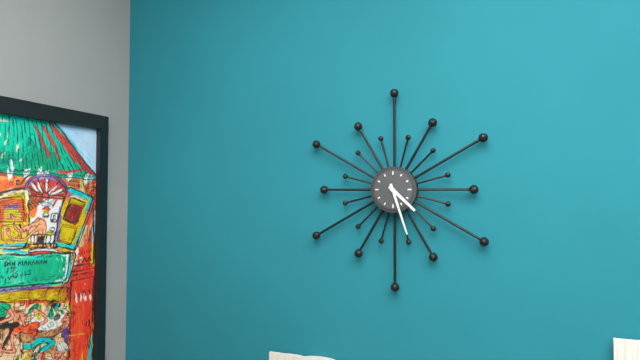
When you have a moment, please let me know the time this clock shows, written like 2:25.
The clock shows 4:27
